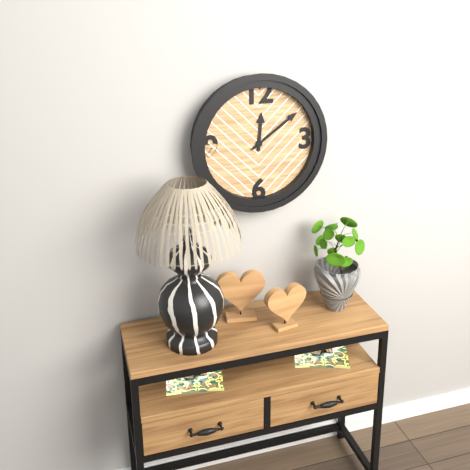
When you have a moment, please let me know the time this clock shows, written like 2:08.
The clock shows 12:09
